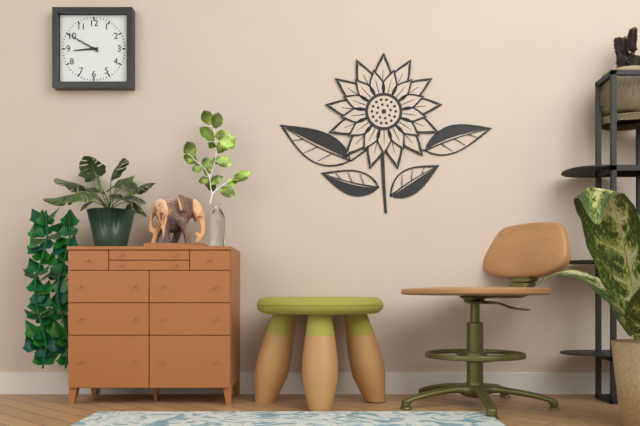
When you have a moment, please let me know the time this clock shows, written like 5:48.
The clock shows 8:50
